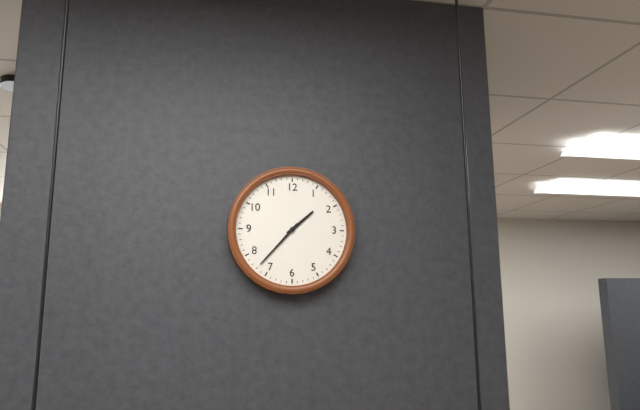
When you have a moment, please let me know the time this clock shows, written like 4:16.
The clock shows 1:37
